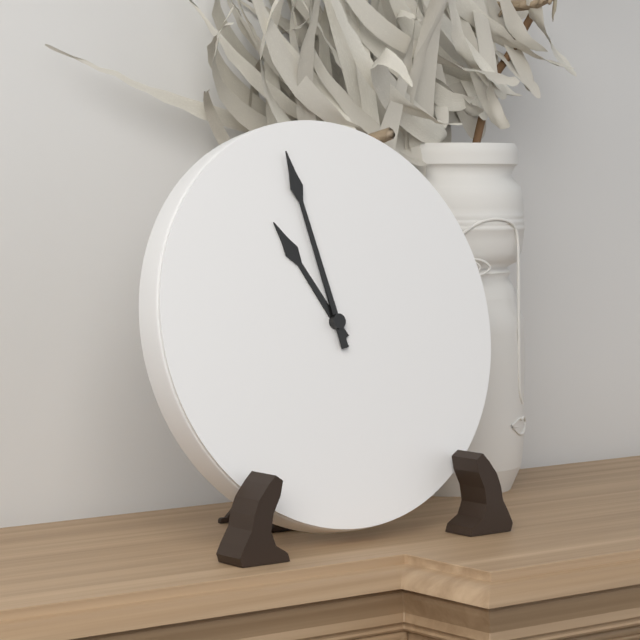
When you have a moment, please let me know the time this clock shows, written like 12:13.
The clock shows 10:58
